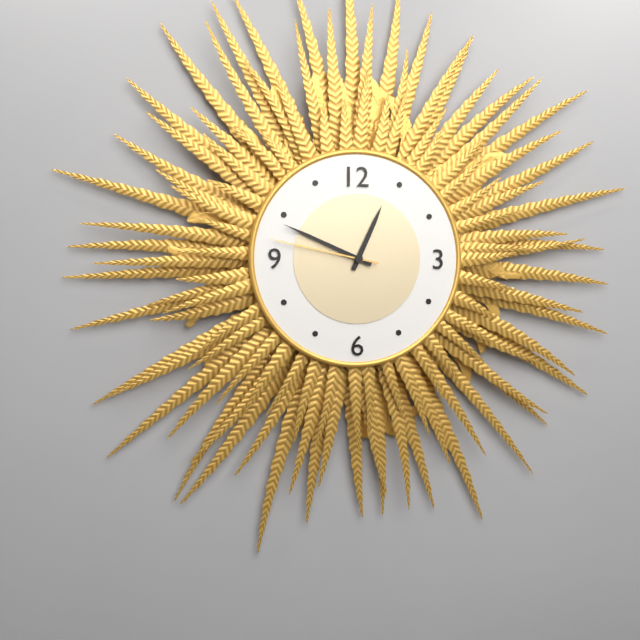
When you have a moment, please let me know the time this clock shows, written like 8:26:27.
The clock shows 12:49:47
